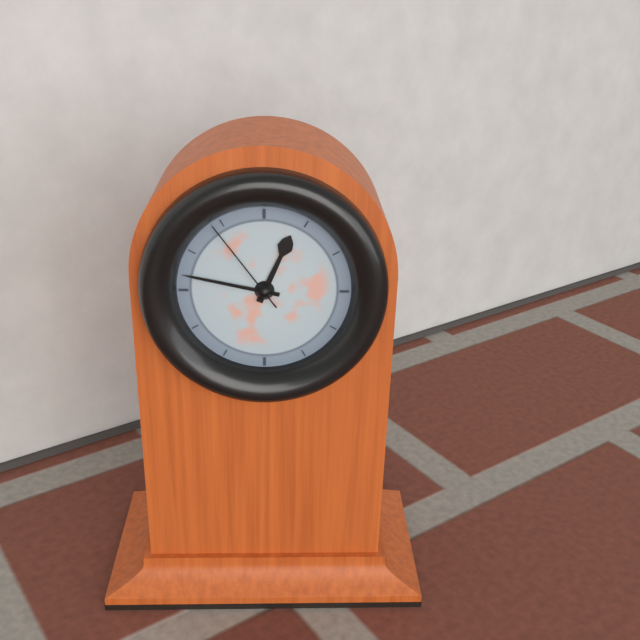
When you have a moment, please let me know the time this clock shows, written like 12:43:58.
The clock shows 12:47:54
